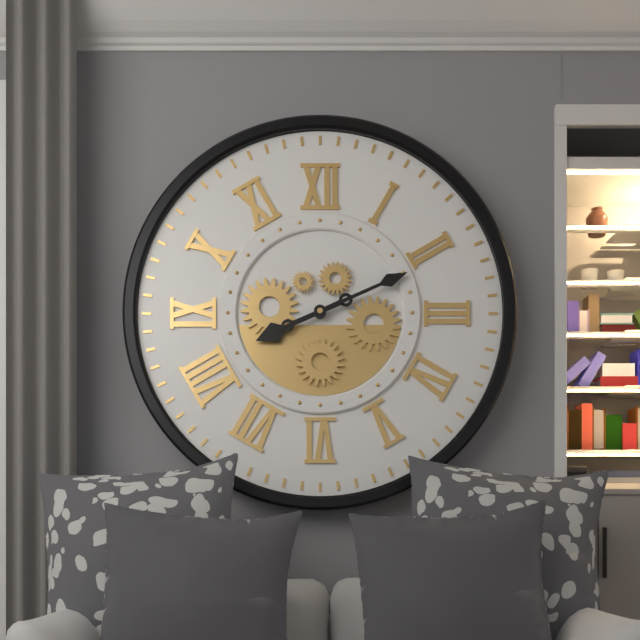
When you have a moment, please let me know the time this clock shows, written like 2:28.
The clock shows 8:11
